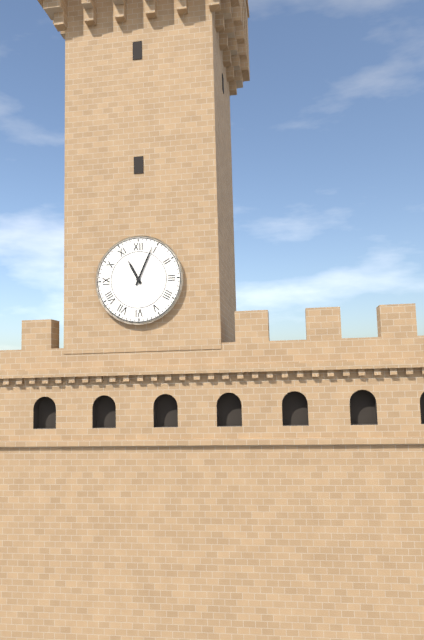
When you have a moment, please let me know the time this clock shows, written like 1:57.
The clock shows 11:04
